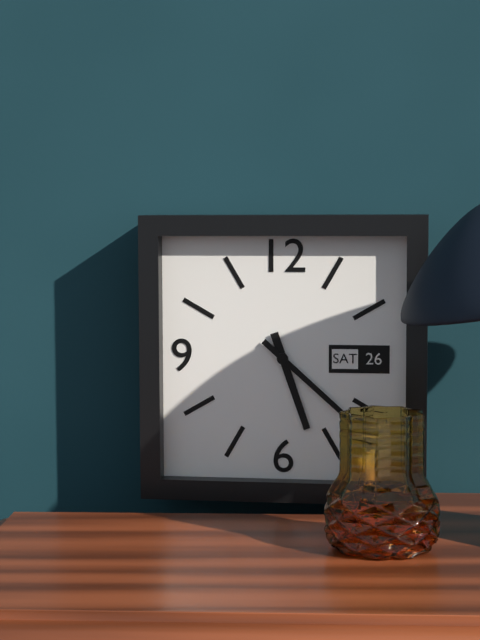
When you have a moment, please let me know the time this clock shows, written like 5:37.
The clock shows 5:22
